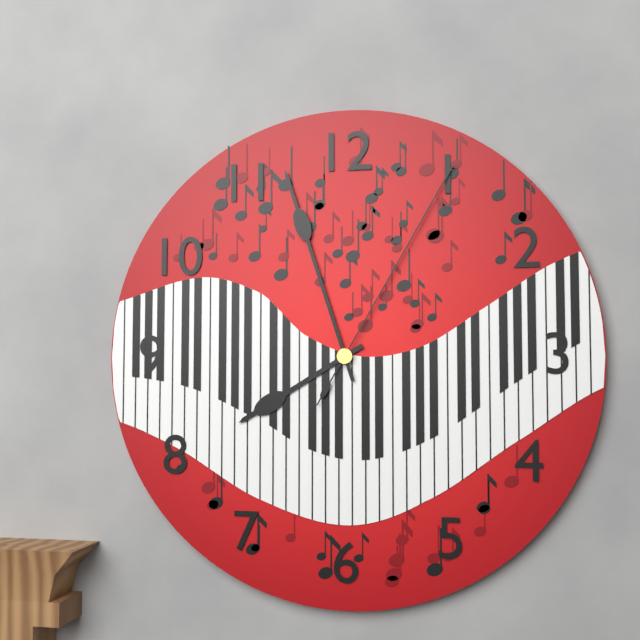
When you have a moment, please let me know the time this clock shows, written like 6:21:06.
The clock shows 7:57:05
